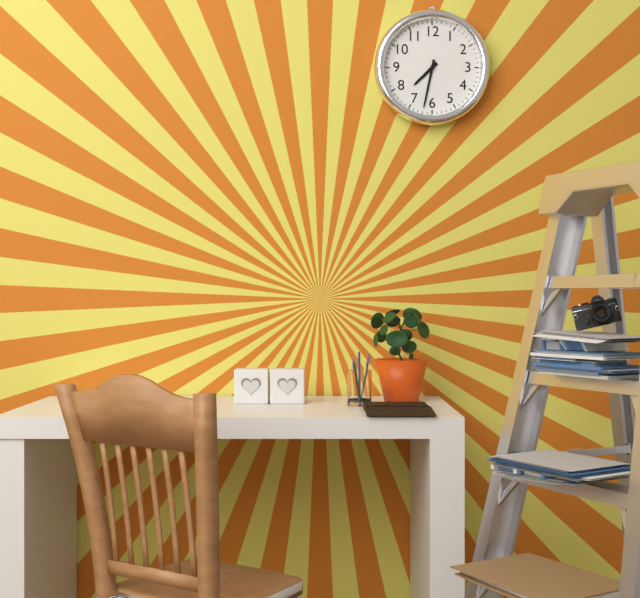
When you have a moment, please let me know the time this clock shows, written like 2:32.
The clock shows 7:32
